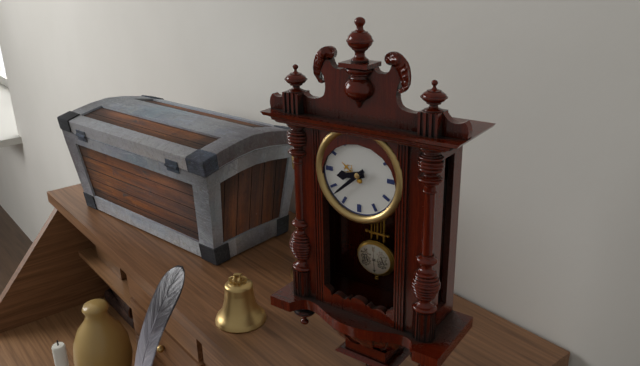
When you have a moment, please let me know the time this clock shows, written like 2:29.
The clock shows 8:38
